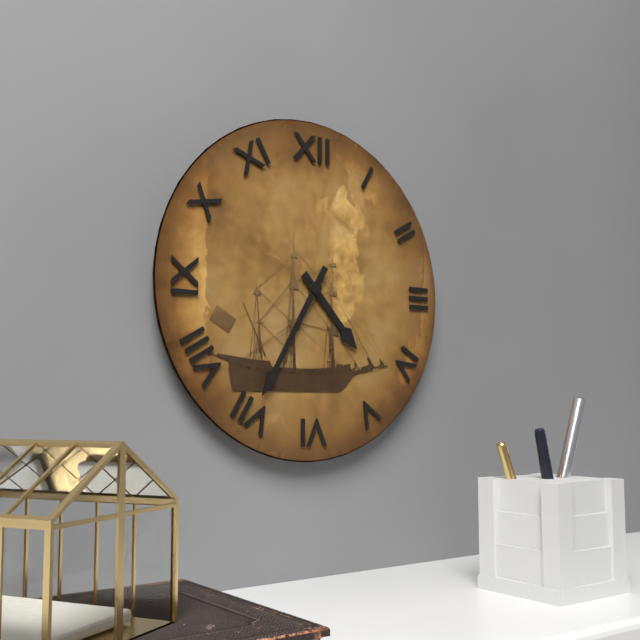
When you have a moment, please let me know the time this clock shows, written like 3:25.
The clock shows 4:35
